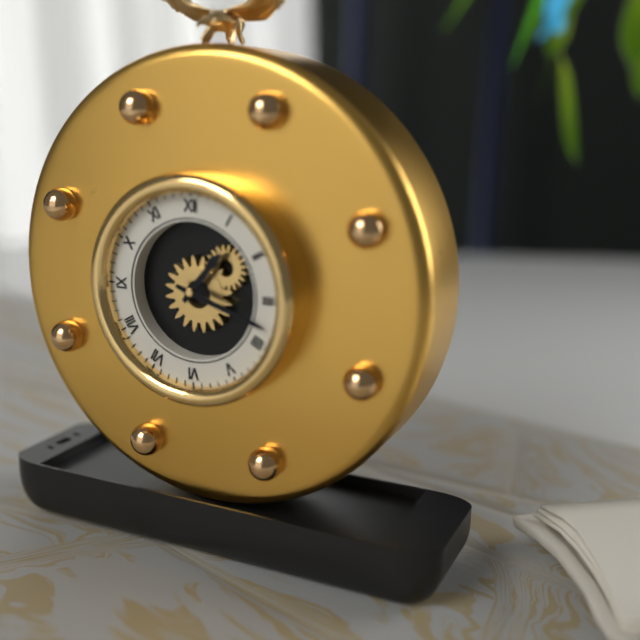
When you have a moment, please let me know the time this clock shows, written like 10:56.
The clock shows 1:18
